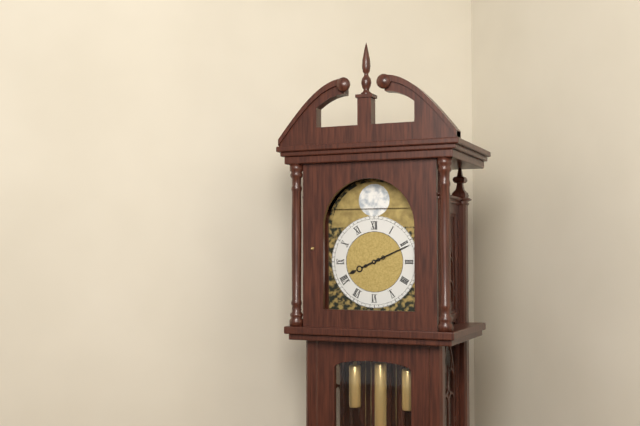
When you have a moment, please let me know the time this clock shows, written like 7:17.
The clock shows 8:11
